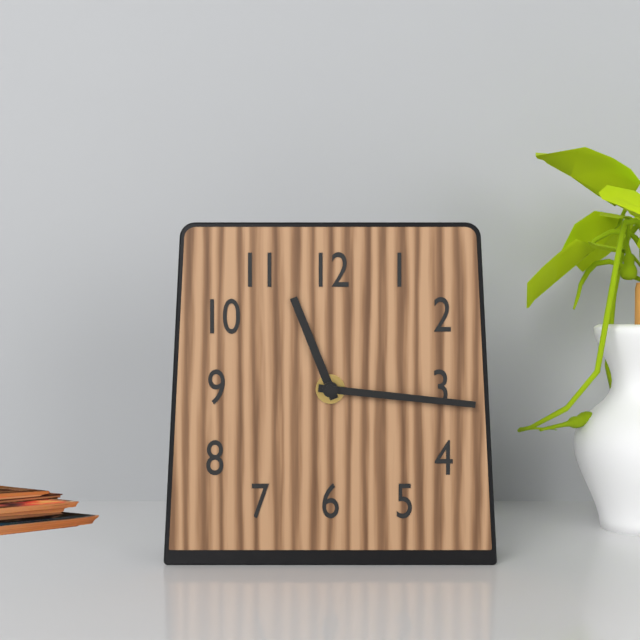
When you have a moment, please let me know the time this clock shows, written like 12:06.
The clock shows 11:16
